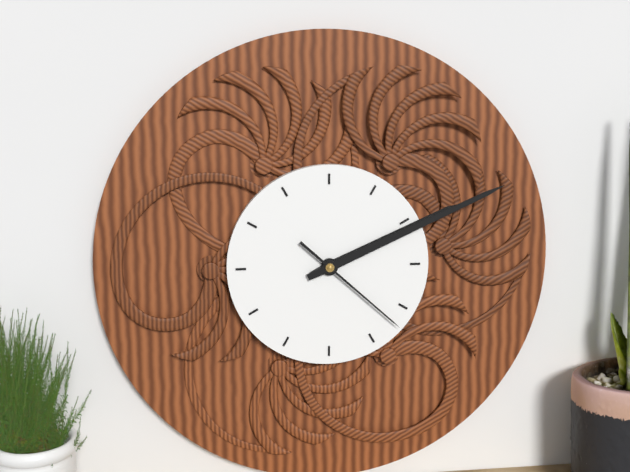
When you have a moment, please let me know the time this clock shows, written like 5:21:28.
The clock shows 2:11:22
